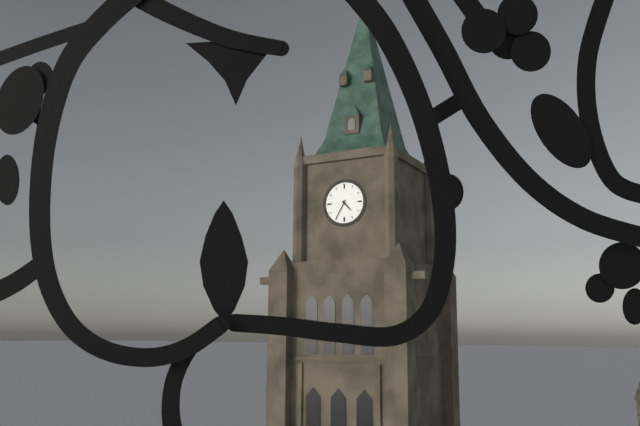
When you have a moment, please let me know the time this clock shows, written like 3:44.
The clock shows 4:35
